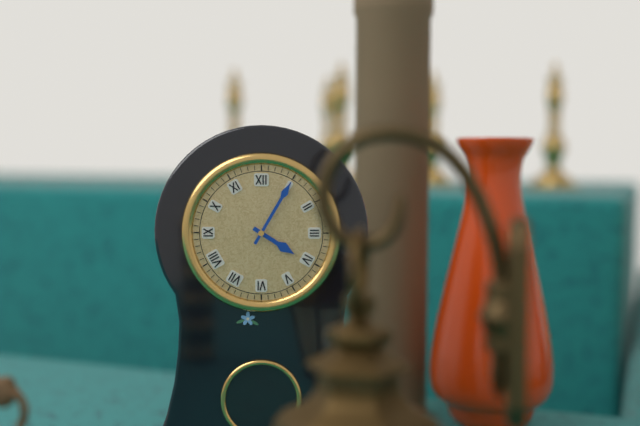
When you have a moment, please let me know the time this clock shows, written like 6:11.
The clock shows 4:05
